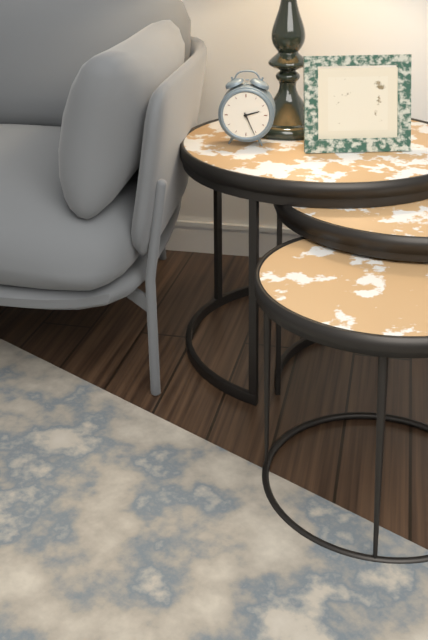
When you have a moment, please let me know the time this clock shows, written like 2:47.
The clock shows 2:26
